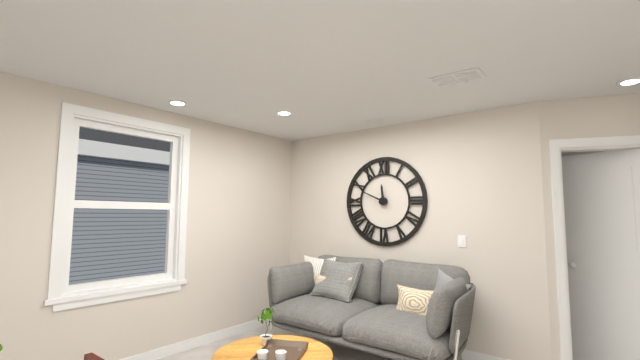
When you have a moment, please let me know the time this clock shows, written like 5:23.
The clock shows 11:49
